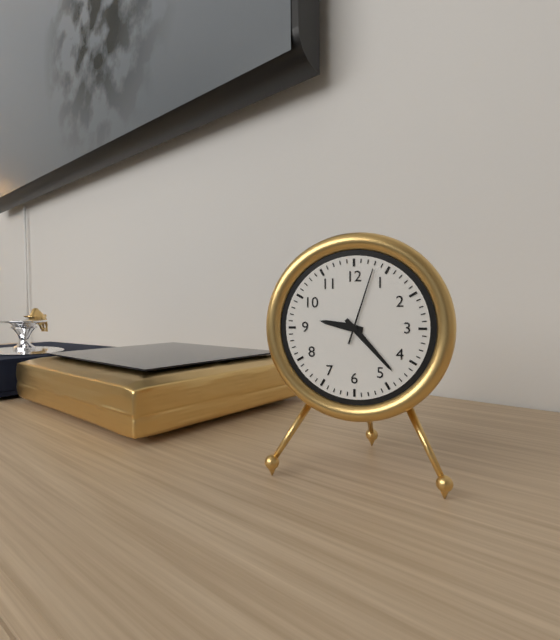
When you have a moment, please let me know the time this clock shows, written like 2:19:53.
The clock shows 9:23:03
